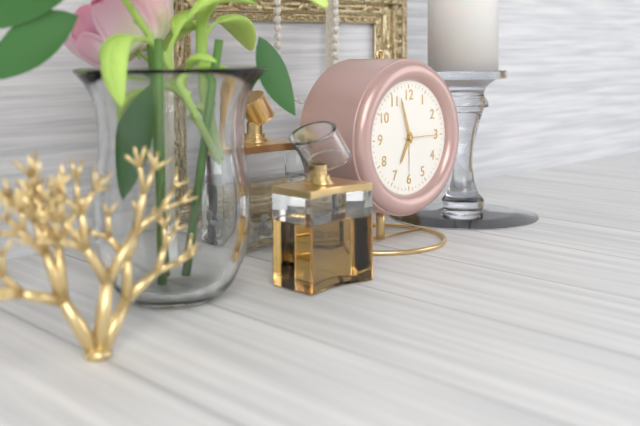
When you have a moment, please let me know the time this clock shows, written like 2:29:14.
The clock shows 6:57:15
